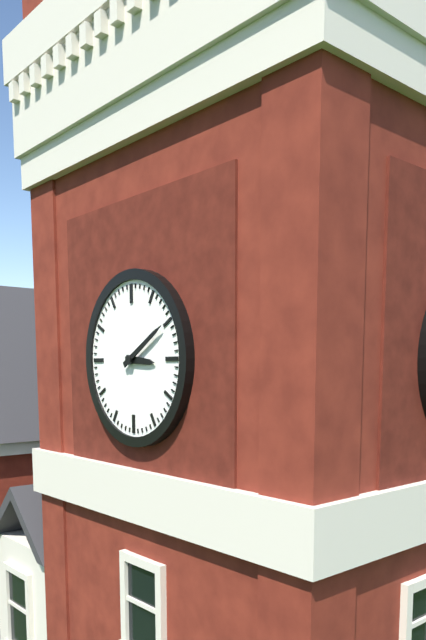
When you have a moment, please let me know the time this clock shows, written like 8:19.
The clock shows 3:10
